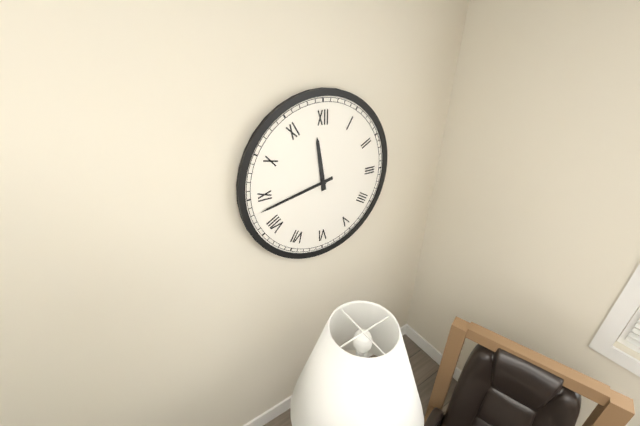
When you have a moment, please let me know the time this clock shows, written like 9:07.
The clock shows 11:43
